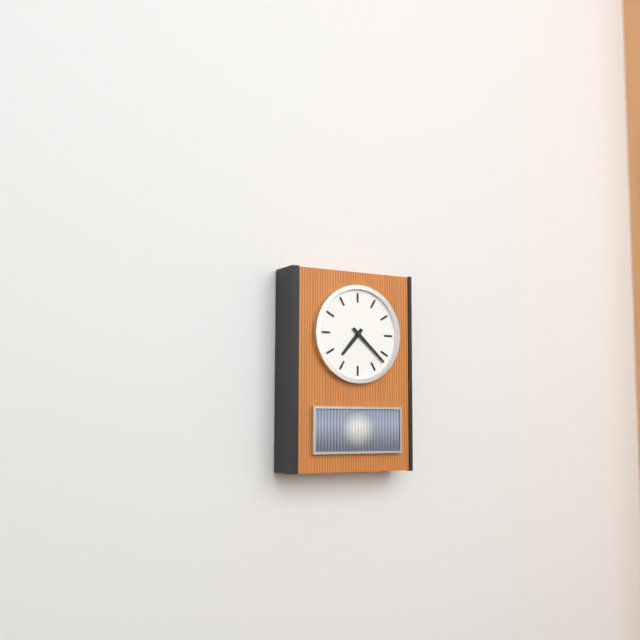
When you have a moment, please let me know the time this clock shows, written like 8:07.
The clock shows 7:22
